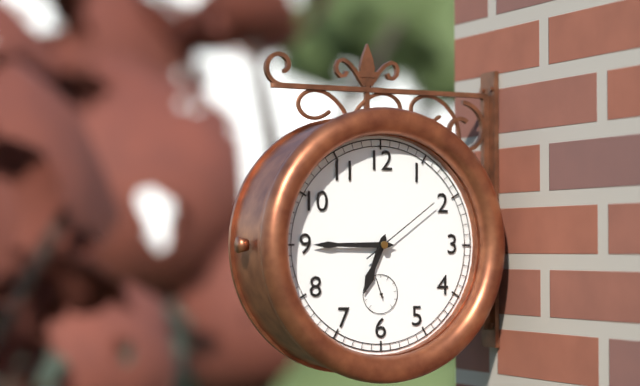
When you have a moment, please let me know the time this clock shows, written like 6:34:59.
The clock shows 6:45:09
